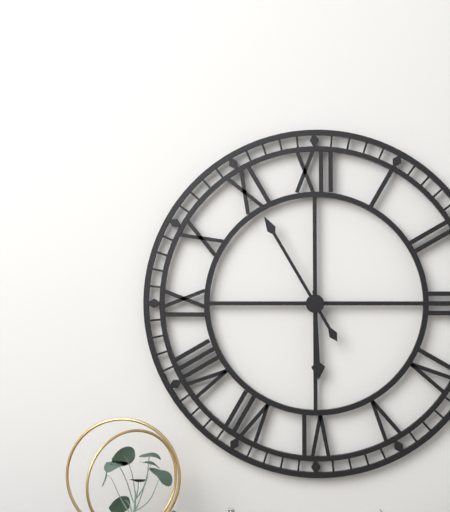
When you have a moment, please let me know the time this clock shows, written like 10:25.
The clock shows 5:55
